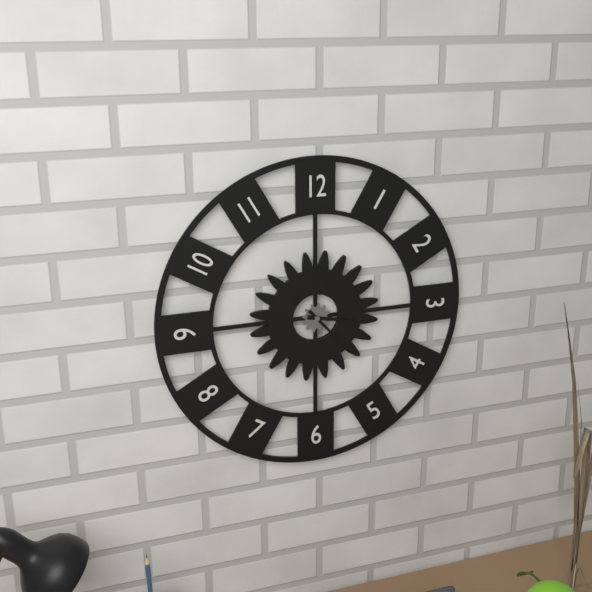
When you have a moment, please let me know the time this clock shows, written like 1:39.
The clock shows 3:23
